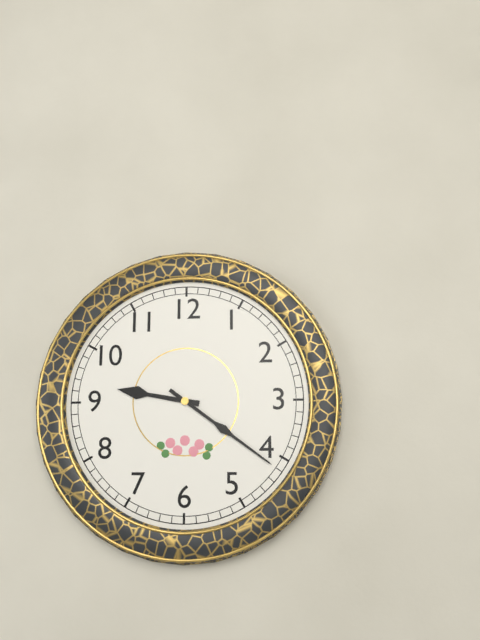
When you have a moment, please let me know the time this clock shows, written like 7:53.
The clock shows 9:21
